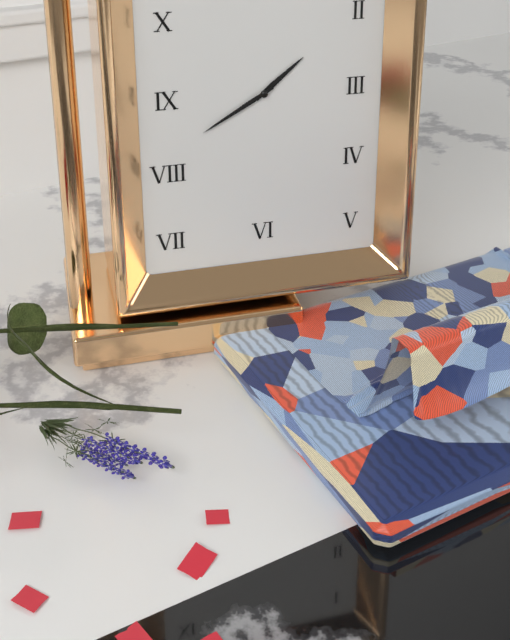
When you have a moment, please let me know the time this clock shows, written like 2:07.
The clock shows 1:40
